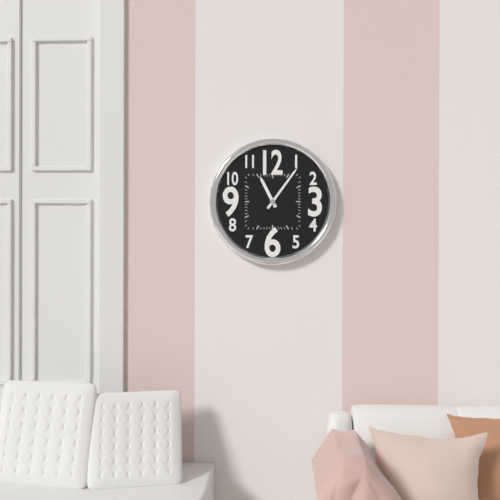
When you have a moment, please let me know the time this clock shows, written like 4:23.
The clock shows 11:06
